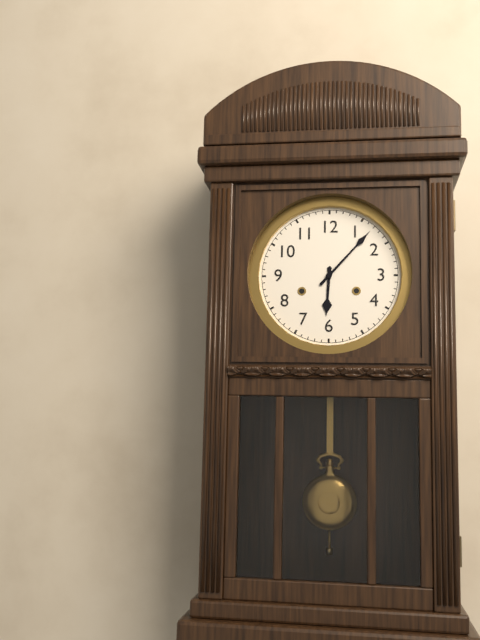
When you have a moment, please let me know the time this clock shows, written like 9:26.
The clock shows 6:07
